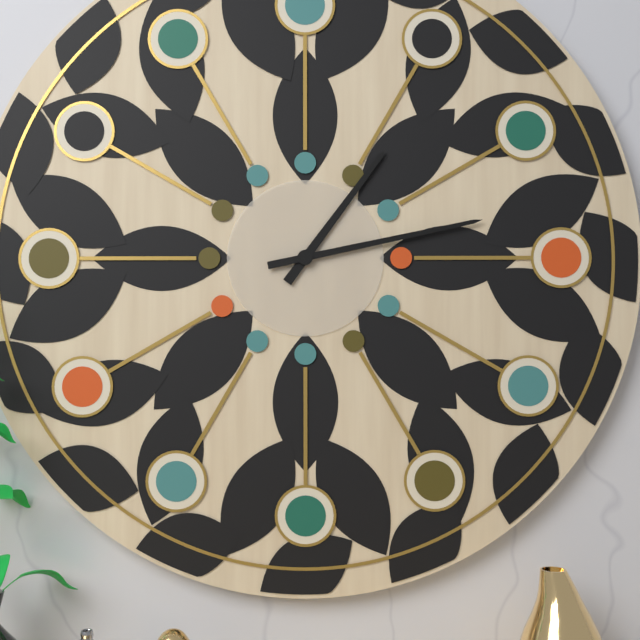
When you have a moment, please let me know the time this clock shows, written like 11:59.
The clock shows 1:13
